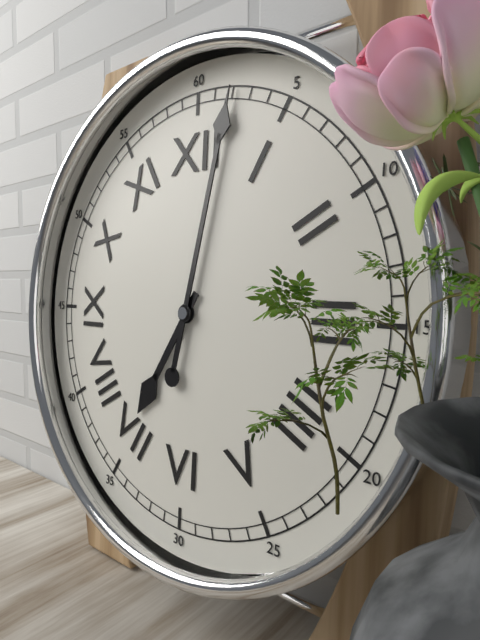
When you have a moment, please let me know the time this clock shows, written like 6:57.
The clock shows 7:02
